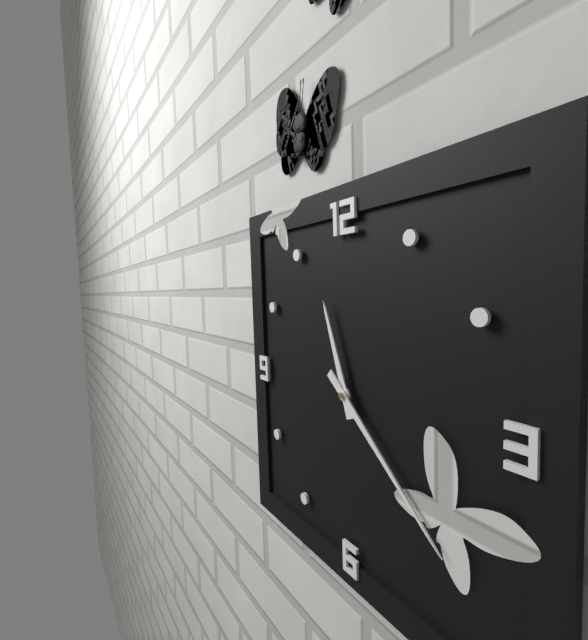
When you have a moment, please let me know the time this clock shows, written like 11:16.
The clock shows 11:22
